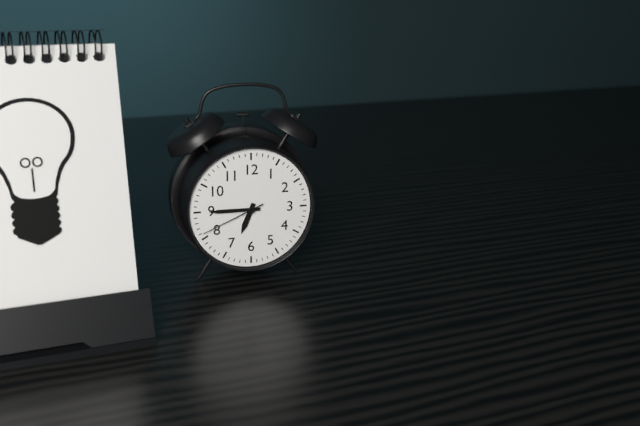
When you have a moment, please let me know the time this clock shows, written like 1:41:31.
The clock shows 6:45:41
